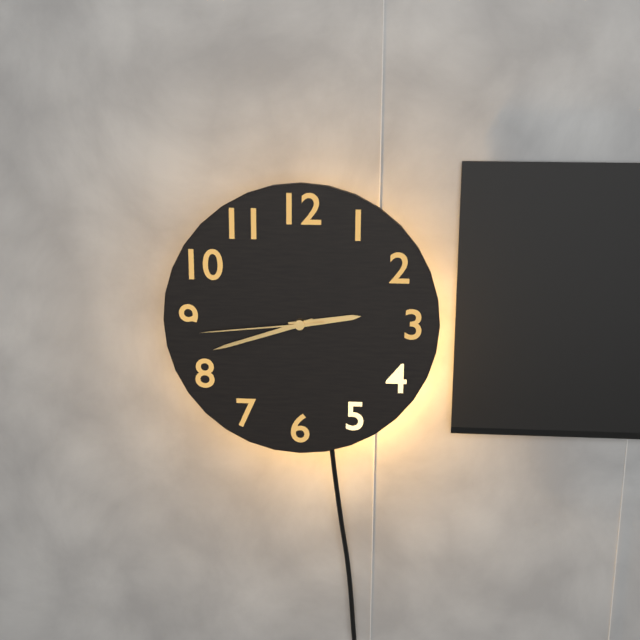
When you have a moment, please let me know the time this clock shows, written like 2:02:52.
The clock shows 2:42:44
